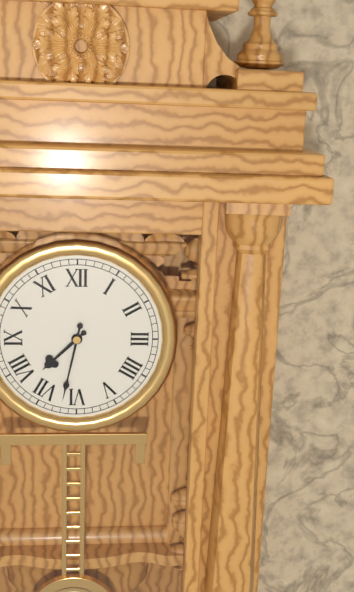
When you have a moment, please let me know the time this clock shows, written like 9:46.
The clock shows 7:32
